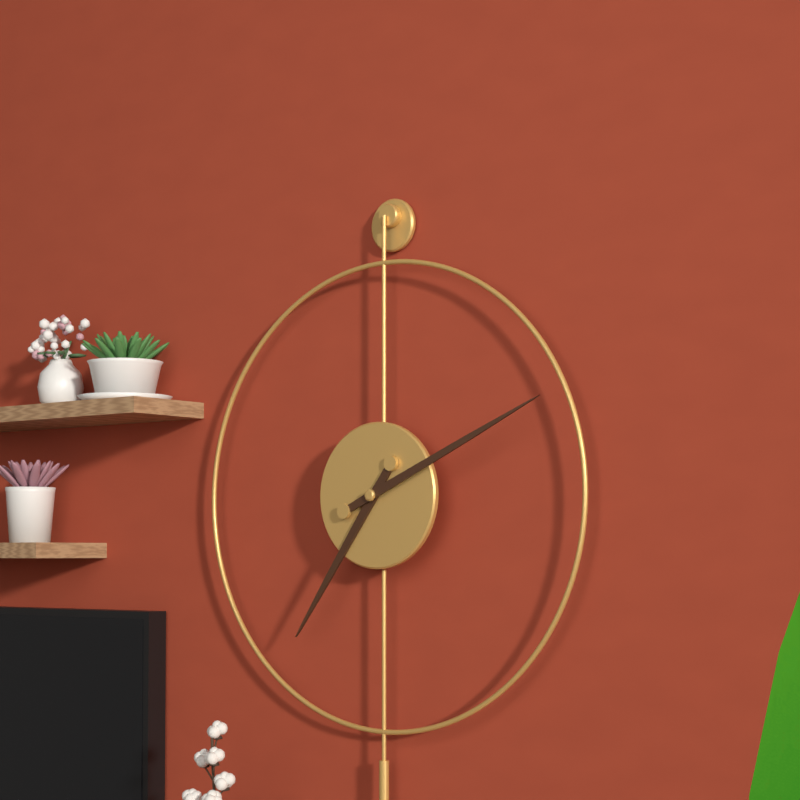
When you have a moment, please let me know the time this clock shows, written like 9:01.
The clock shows 7:11
